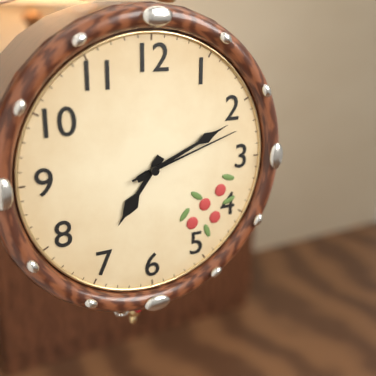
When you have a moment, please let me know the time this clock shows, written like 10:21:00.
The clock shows 7:11:12
